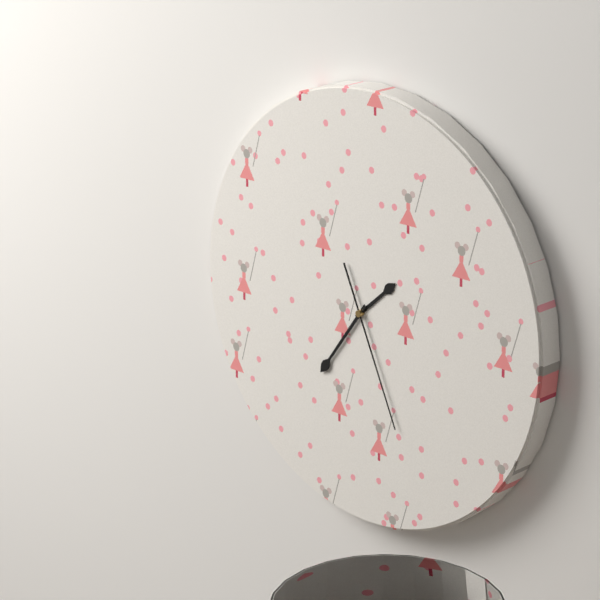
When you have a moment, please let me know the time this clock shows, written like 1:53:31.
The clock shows 1:36:26
